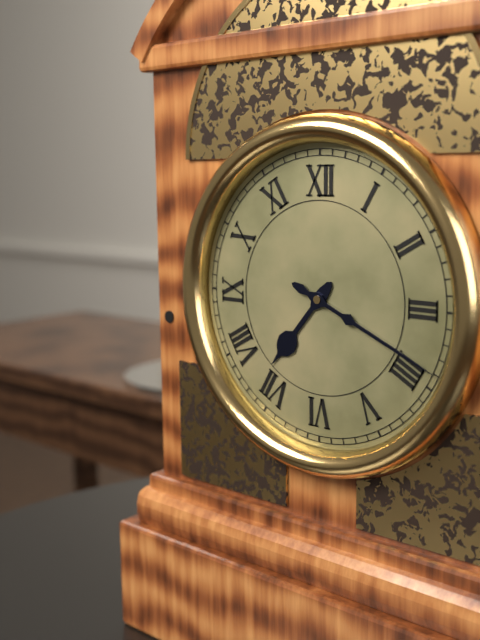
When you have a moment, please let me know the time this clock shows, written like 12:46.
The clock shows 7:19
